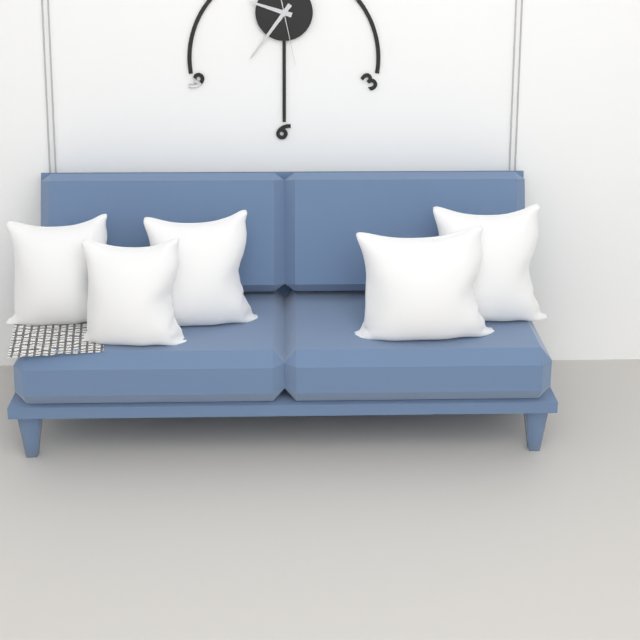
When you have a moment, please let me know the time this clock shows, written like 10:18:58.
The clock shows 9:36:28
